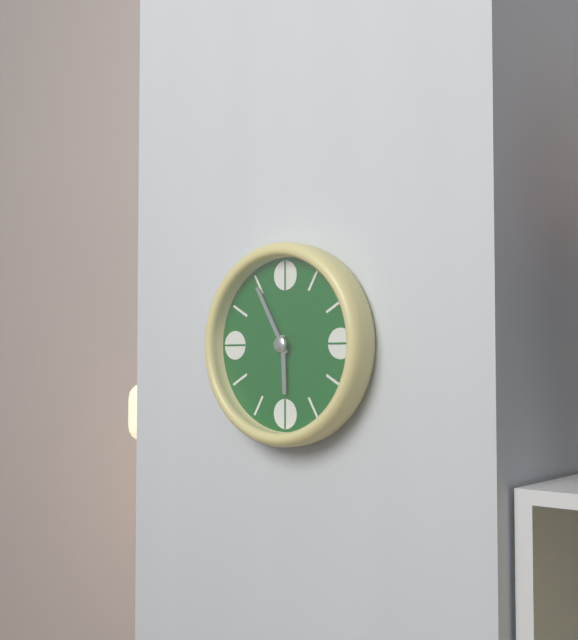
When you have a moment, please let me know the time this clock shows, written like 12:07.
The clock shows 5:55
